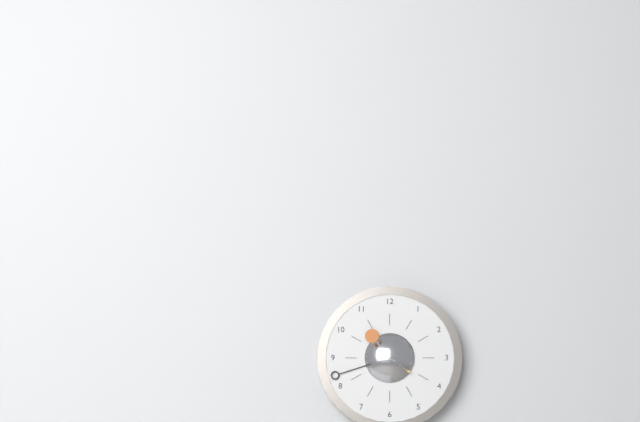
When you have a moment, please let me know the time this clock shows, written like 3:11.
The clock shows 10:42
